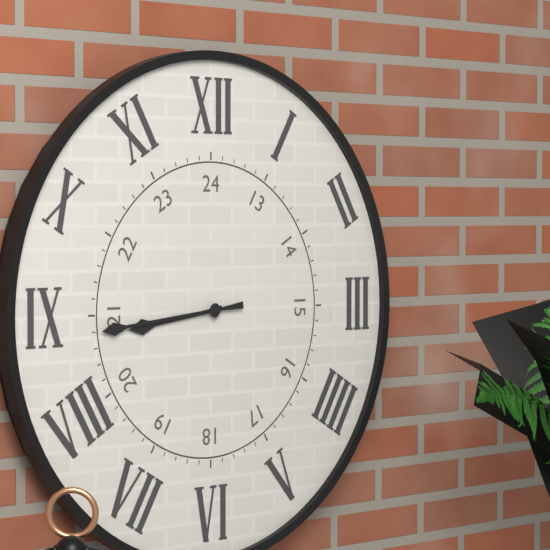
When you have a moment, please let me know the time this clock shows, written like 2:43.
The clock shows 8:44
